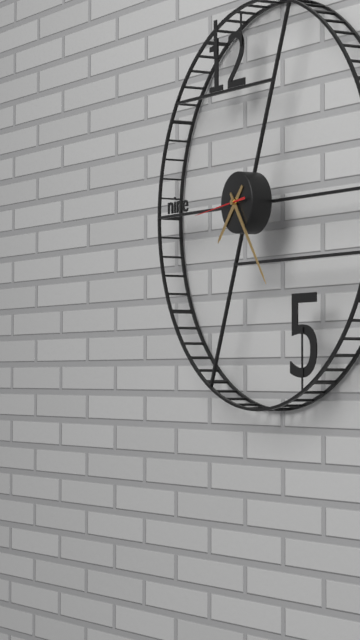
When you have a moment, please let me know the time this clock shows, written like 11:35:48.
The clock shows 7:24:44
